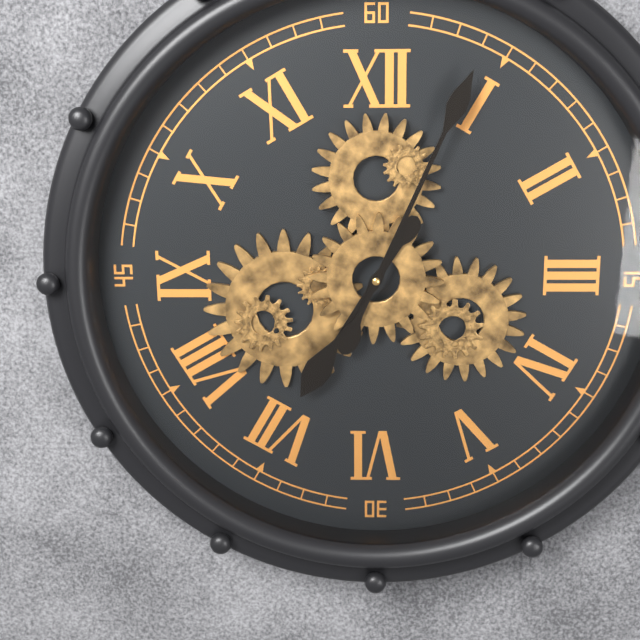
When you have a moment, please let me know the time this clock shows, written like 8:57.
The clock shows 7:04
